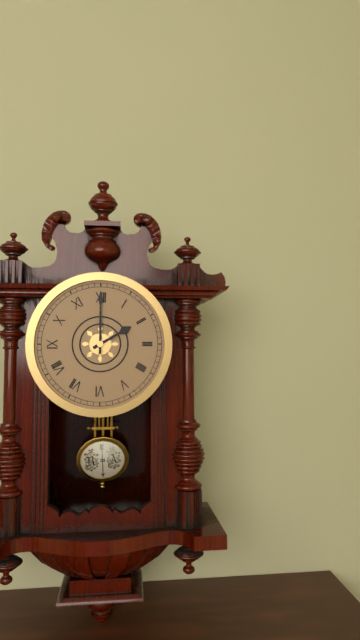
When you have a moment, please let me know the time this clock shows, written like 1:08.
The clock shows 2:00
